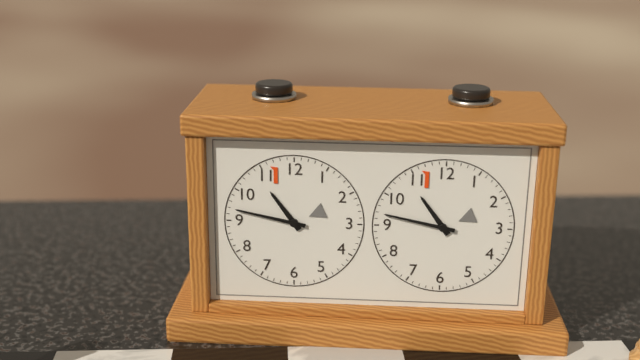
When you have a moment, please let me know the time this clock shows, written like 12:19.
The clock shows 10:47
